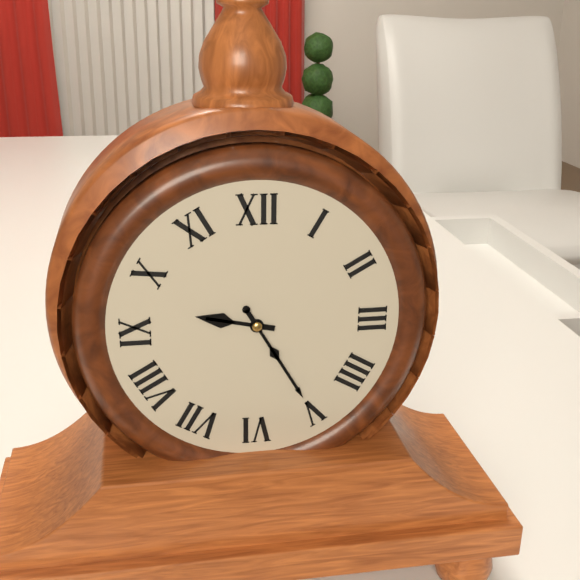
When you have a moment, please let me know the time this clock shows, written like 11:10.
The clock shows 9:25
